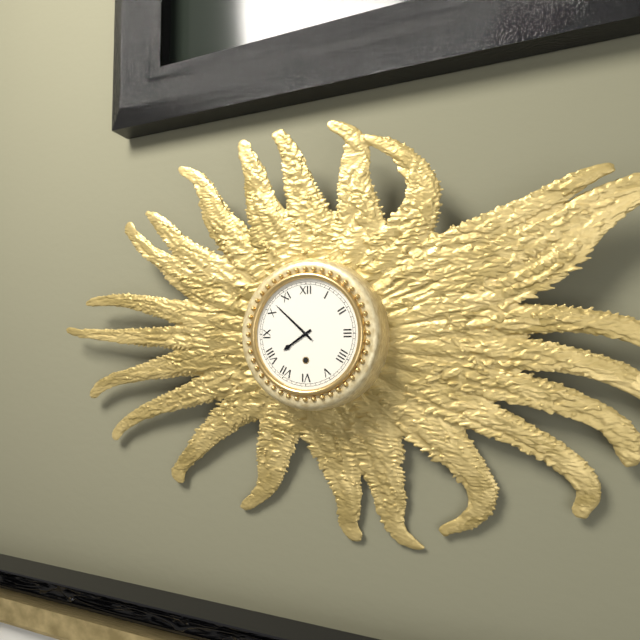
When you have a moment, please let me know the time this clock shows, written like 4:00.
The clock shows 7:52
